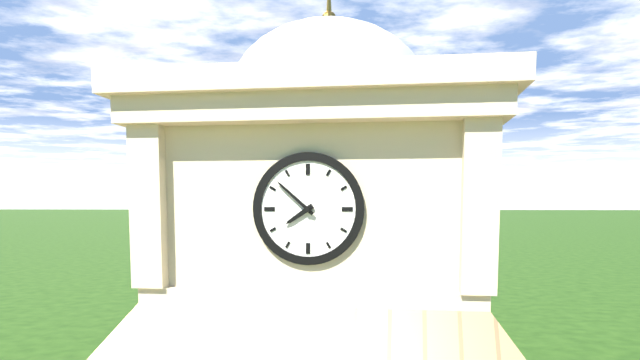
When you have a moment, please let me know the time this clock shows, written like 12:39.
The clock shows 7:52
